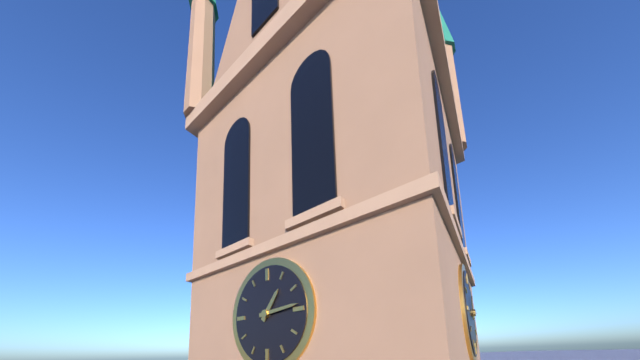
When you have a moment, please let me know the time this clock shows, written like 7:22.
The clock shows 1:14
